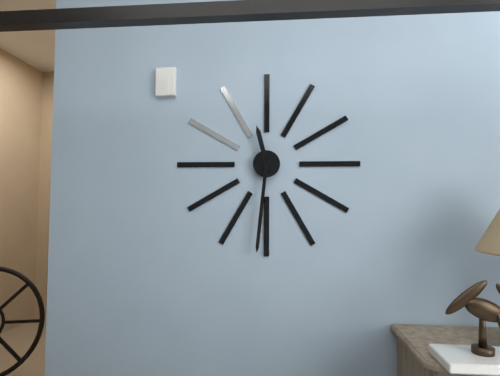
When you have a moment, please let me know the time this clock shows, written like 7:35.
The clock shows 11:31
